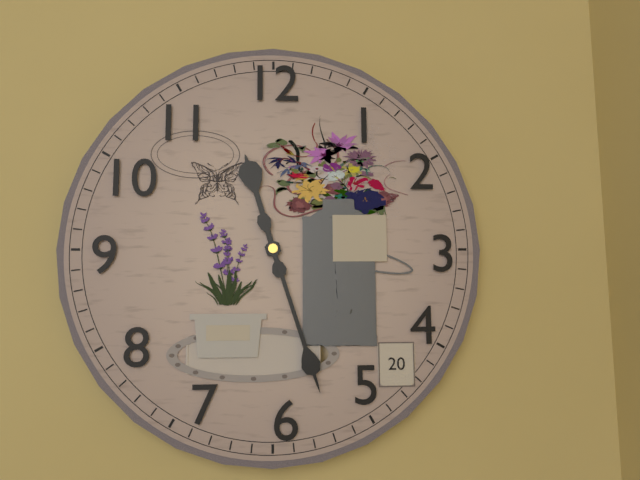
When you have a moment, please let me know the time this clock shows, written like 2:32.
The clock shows 11:27
